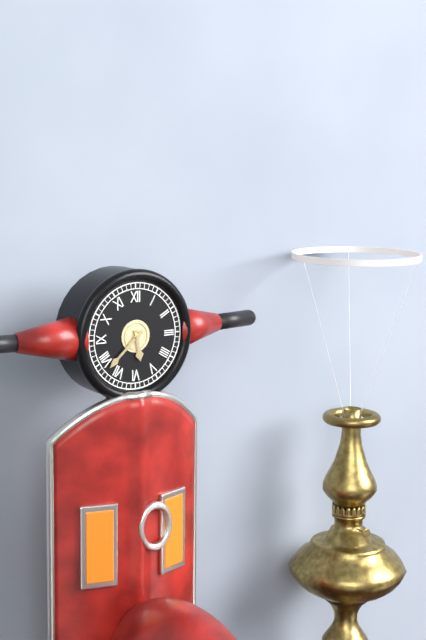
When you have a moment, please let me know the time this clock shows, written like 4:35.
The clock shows 5:38
